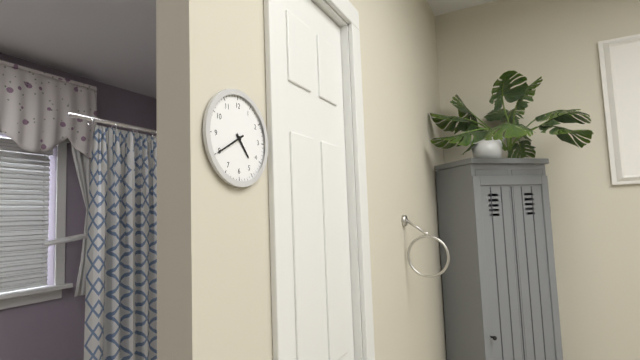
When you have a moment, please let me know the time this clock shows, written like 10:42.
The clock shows 4:40
